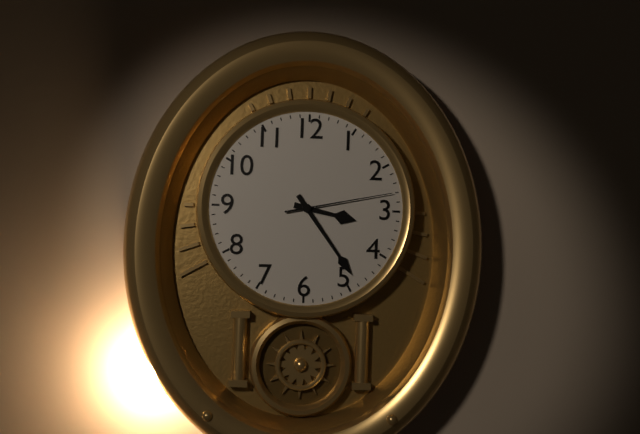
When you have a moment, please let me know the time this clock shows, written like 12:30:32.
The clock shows 3:24:13
